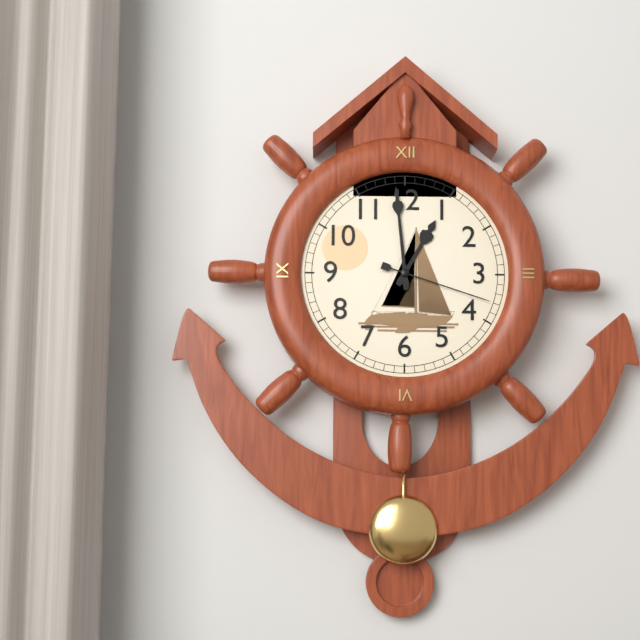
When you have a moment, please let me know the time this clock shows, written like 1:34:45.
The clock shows 12:59:18
